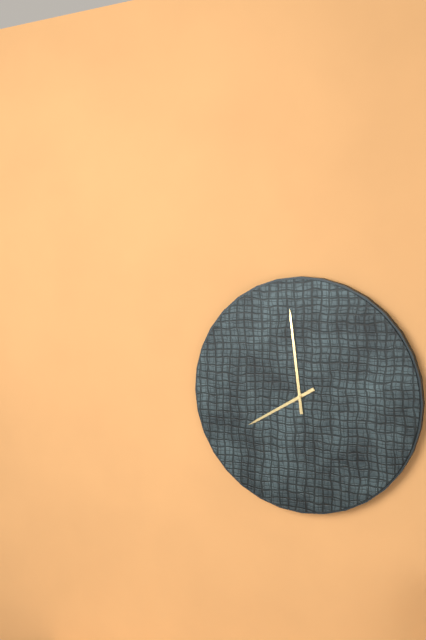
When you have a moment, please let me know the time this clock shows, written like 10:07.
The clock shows 7:59
